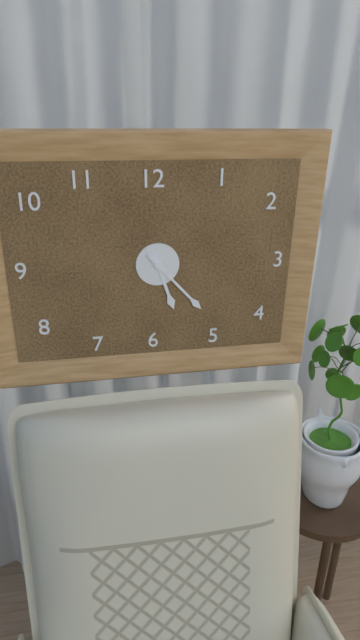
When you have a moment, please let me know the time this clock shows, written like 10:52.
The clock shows 5:23
